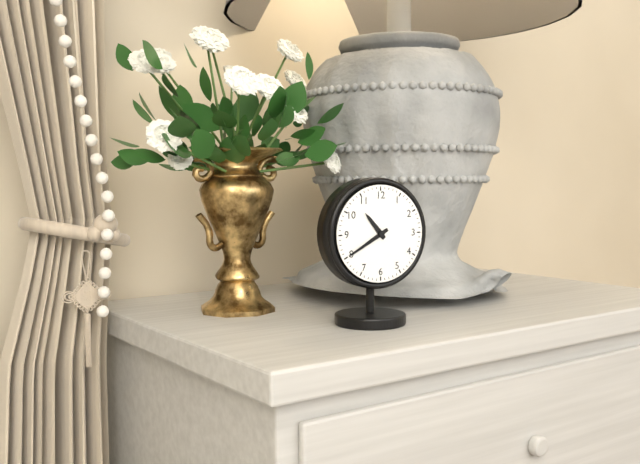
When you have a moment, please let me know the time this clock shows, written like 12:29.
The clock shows 10:40
